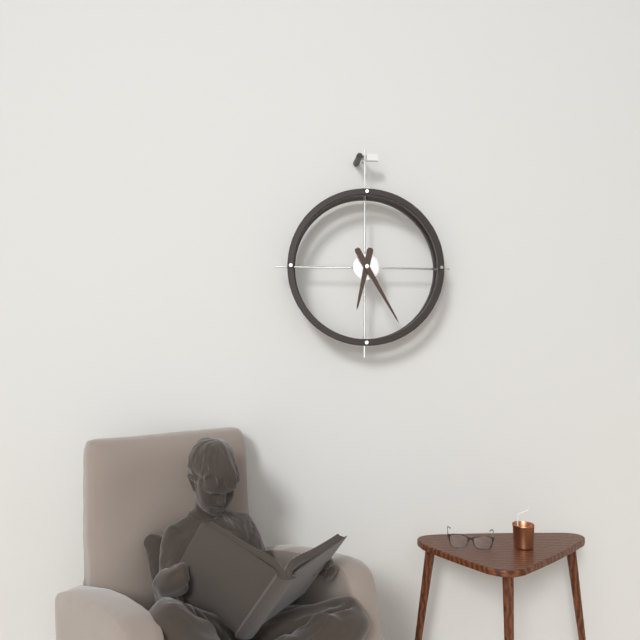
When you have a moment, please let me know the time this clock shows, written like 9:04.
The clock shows 6:25
